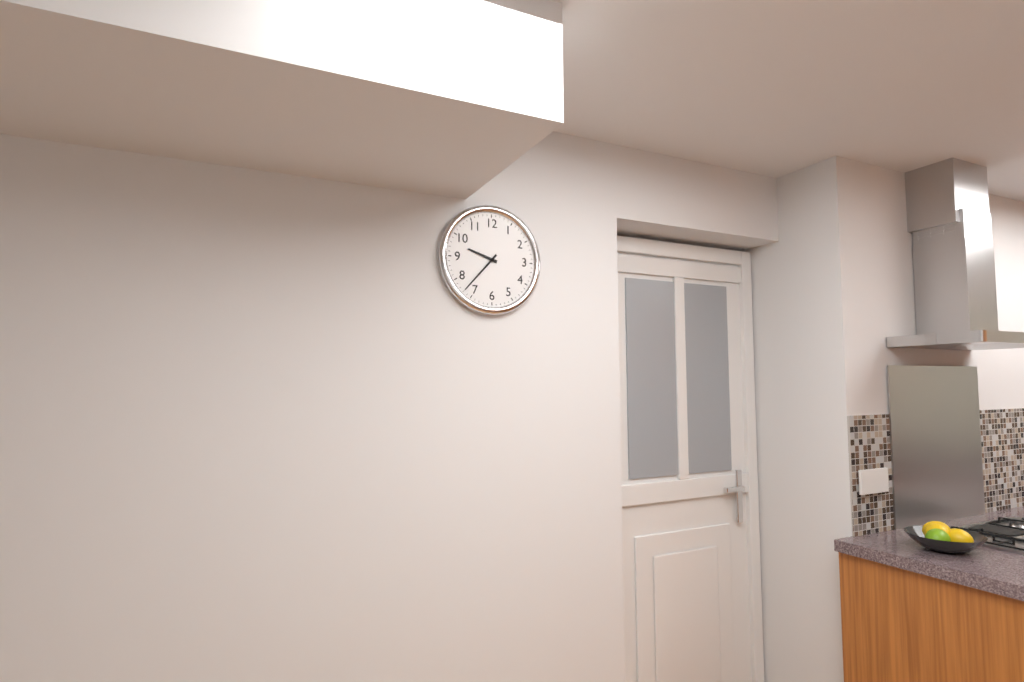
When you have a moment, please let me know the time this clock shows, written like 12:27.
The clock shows 9:37
